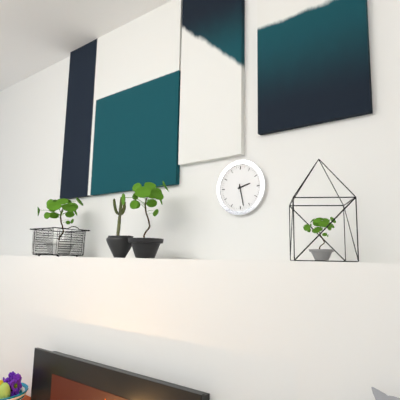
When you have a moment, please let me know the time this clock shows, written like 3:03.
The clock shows 2:28
